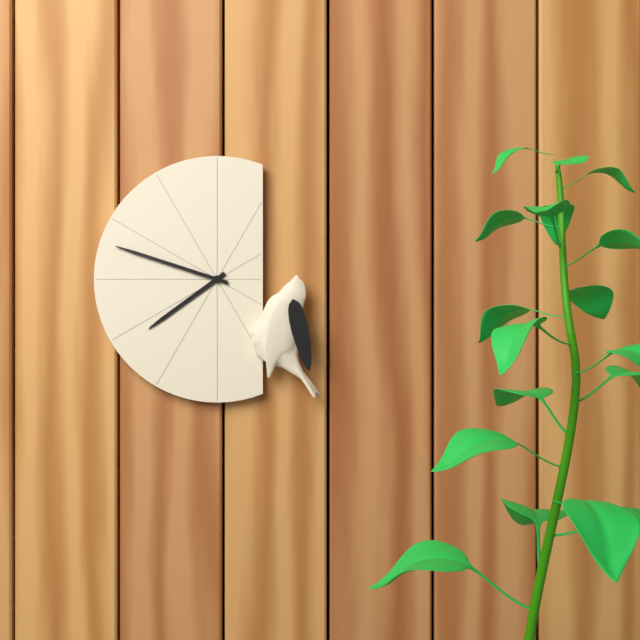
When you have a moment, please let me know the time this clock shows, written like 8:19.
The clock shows 7:48
